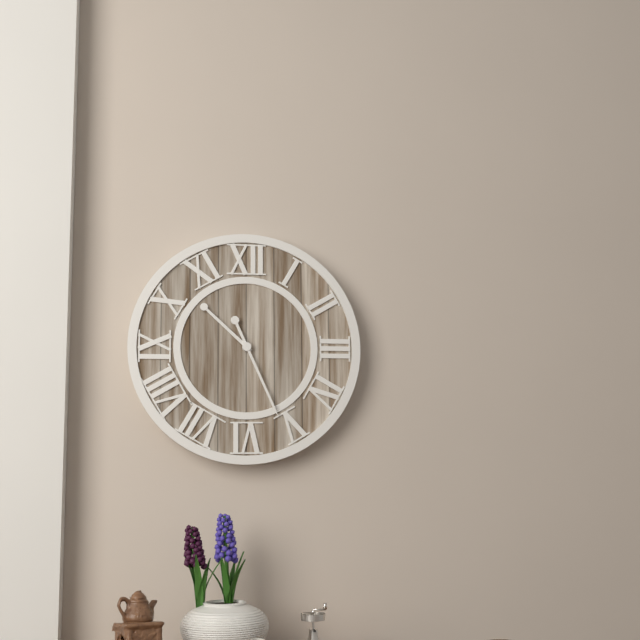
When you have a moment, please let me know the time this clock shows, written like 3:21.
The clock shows 10:26
